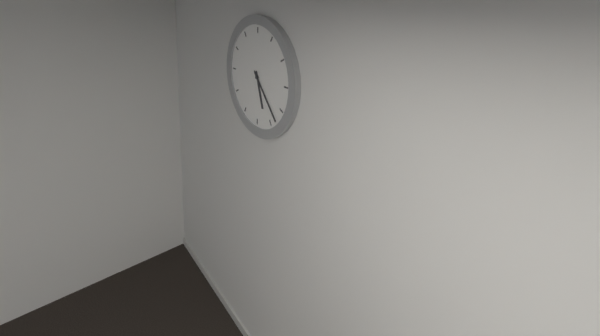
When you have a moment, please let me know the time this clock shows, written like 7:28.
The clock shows 5:23
